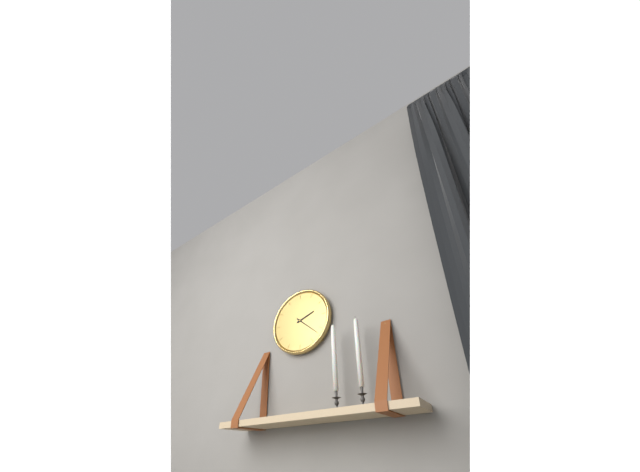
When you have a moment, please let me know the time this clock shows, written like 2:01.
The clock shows 2:22
